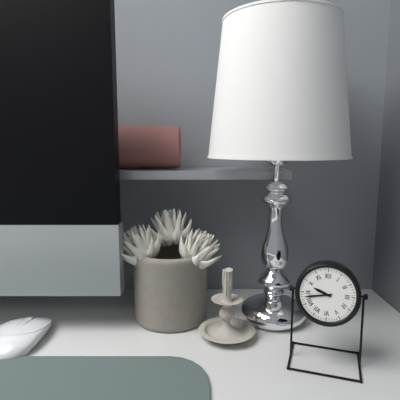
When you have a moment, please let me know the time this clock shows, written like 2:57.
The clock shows 9:43
